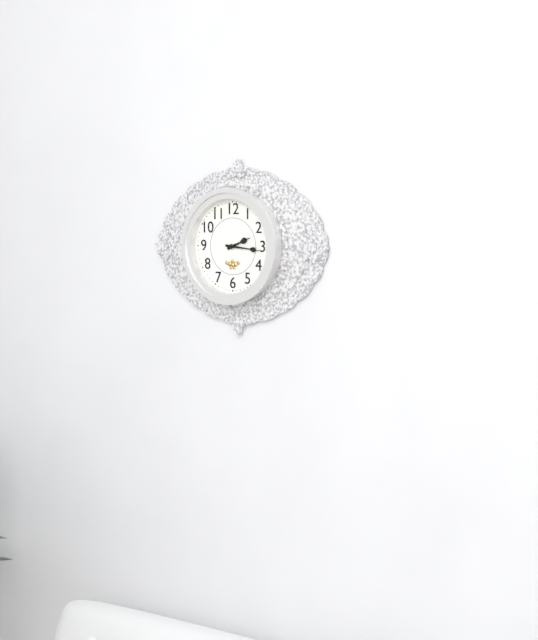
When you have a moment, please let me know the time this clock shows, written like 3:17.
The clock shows 2:16
